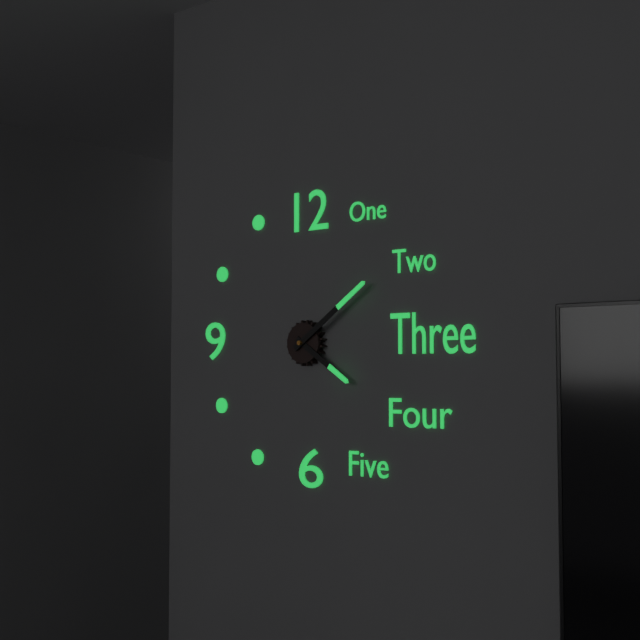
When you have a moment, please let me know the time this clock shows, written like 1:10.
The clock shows 4:09
